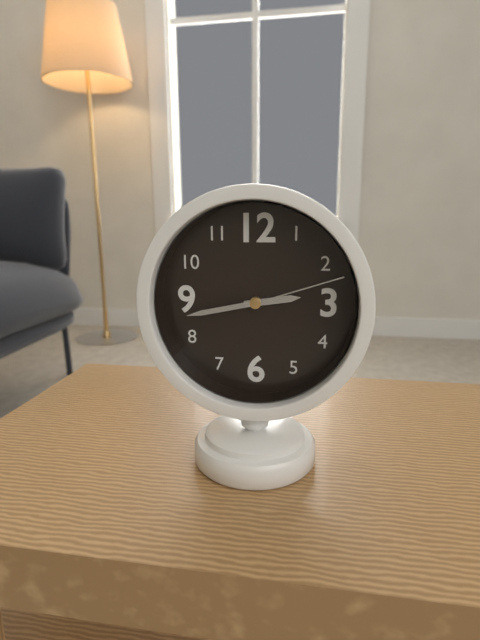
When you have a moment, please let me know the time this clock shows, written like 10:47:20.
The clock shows 2:43:12
